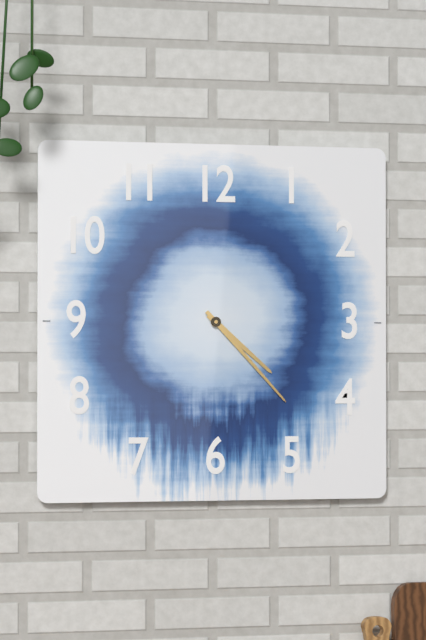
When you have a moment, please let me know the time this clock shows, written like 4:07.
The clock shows 4:23
